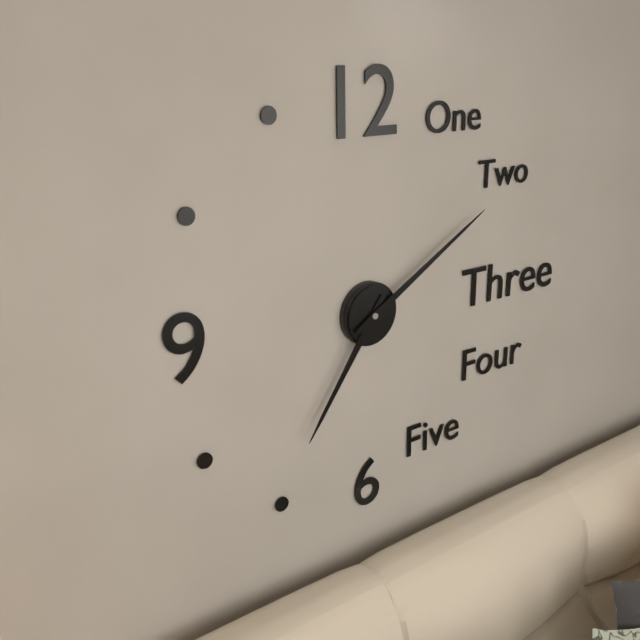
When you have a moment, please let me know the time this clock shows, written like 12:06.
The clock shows 7:10
